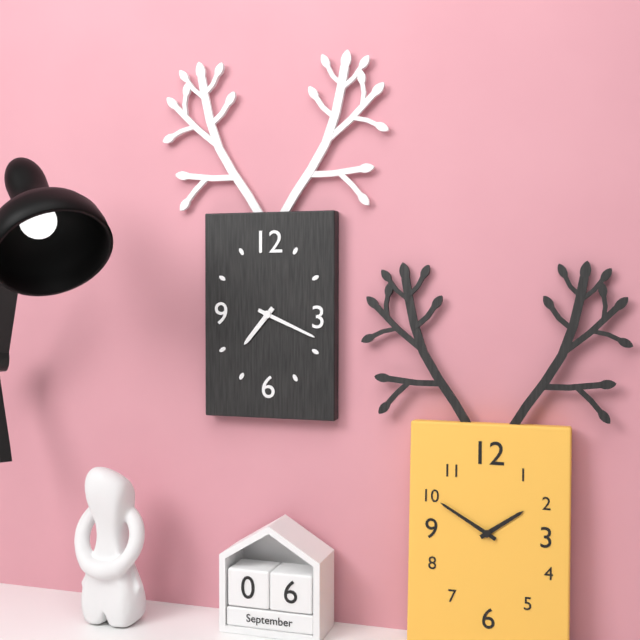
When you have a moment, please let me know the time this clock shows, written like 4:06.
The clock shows 7:19
